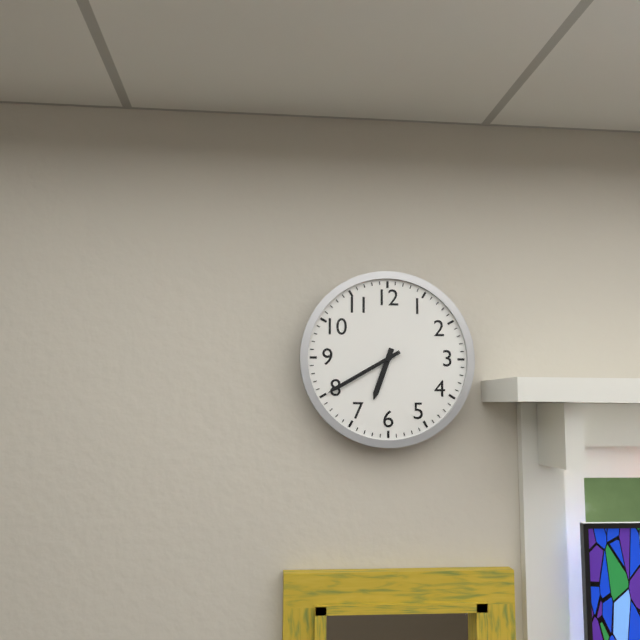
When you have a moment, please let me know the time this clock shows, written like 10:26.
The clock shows 6:40
